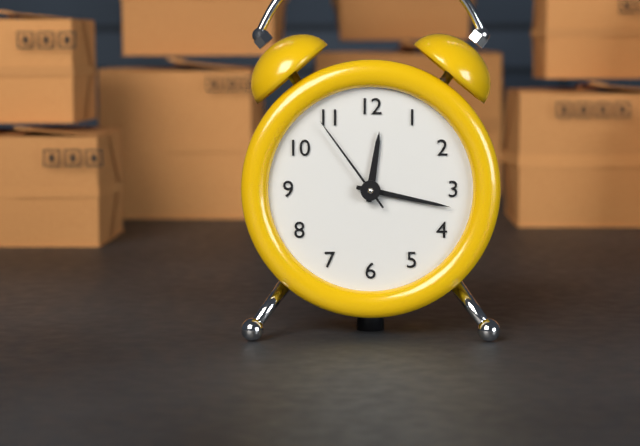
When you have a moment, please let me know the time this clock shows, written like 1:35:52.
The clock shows 12:17:54
